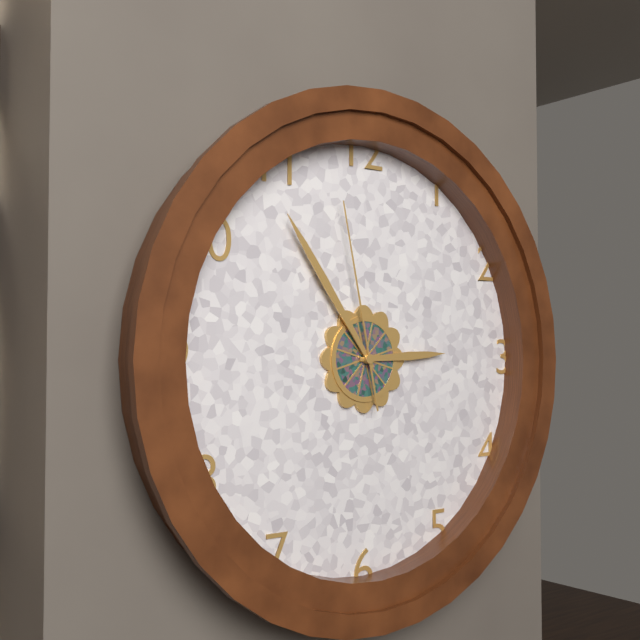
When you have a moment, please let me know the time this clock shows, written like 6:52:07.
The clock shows 2:54:58
